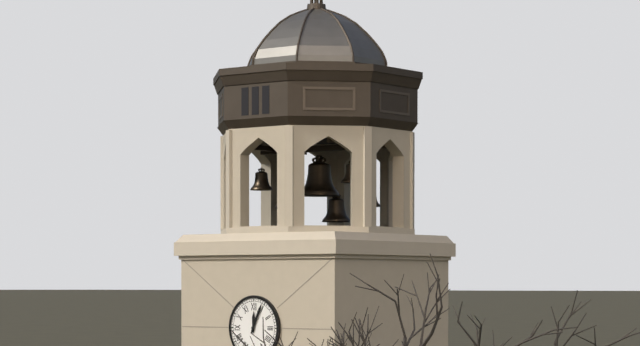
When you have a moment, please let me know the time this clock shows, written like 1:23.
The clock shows 12:04
